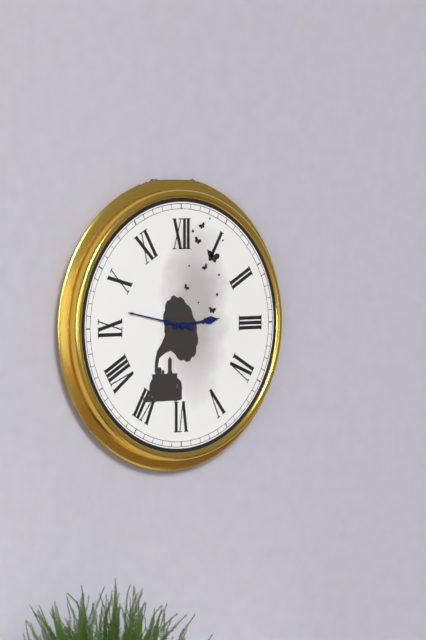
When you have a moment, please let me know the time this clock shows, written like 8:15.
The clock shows 2:47
